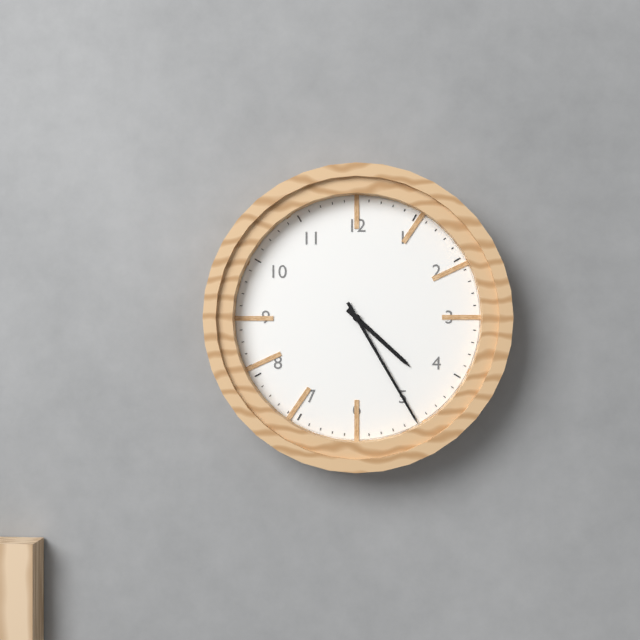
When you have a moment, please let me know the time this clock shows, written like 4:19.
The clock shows 4:25
